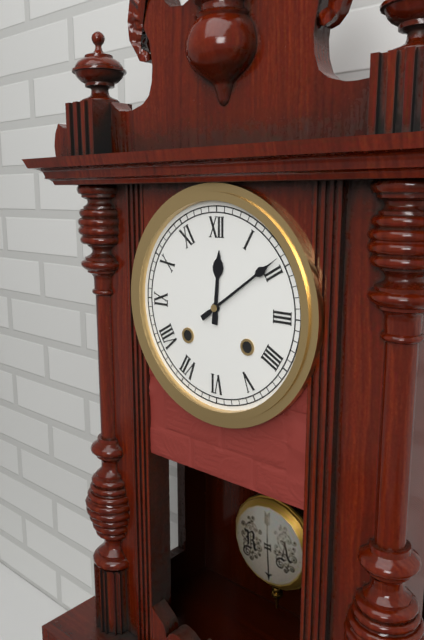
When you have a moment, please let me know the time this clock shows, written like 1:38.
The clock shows 12:09
